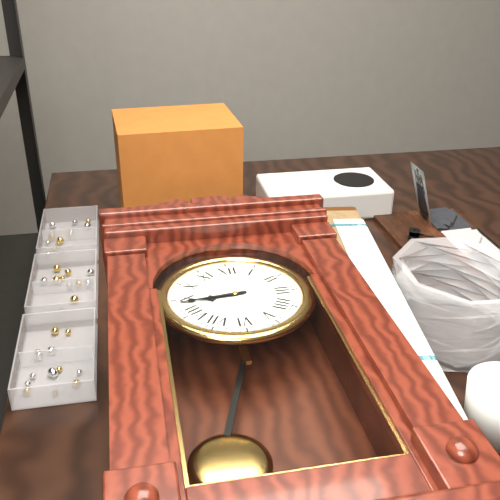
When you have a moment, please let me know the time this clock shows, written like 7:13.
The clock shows 8:44
